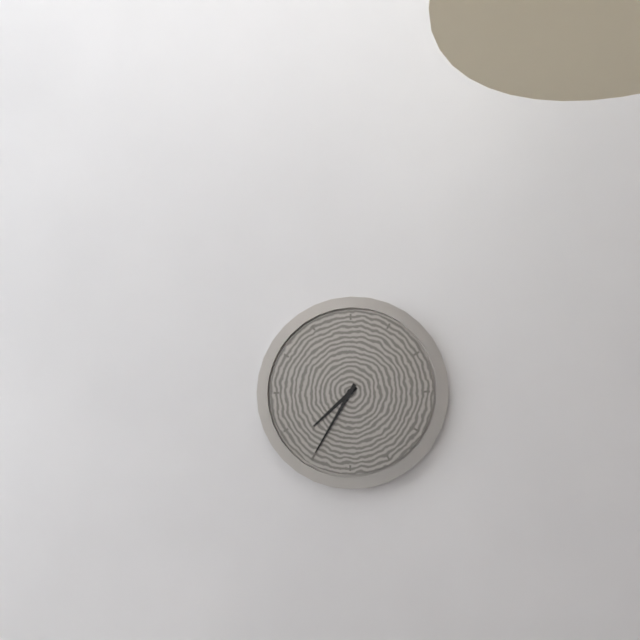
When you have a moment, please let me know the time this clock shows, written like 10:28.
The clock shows 7:35
